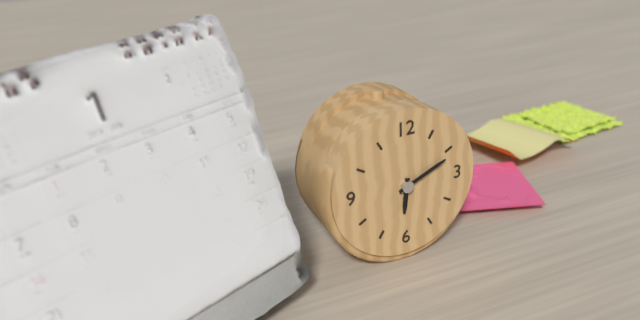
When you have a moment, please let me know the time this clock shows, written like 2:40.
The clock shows 6:11
